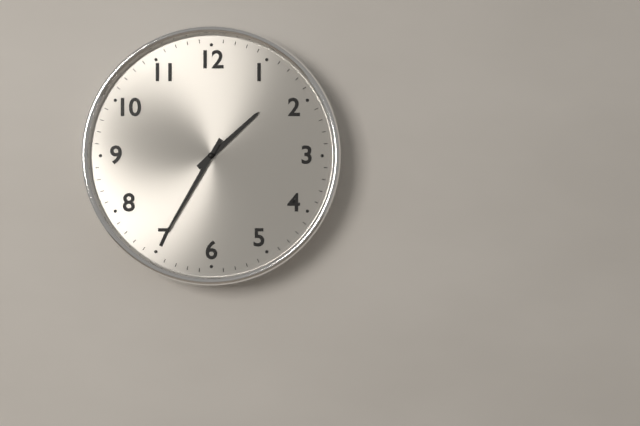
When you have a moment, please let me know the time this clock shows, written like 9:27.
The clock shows 1:35
